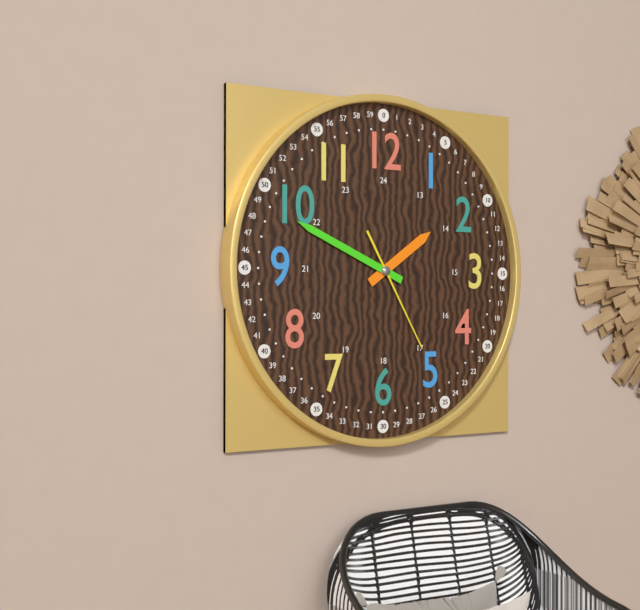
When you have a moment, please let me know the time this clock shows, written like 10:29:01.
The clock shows 1:49:25
